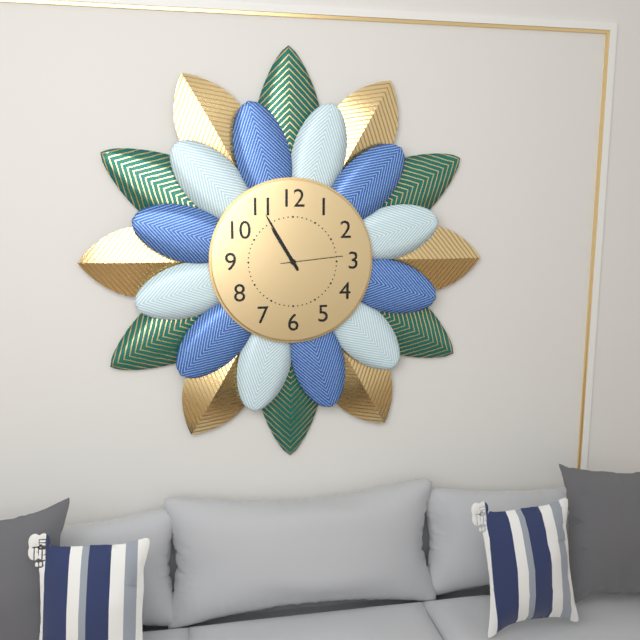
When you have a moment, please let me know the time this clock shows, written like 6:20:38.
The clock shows 10:55:14
